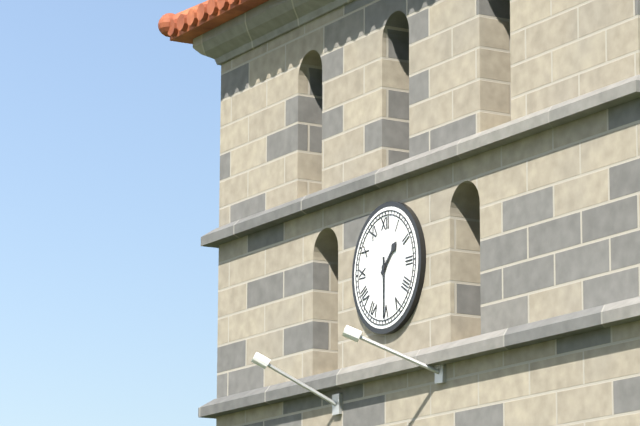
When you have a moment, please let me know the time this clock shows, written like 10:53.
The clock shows 1:30
